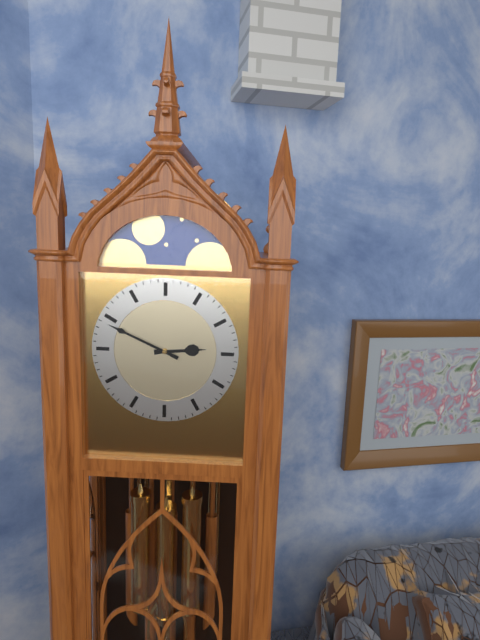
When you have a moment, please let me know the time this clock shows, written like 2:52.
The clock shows 2:49
